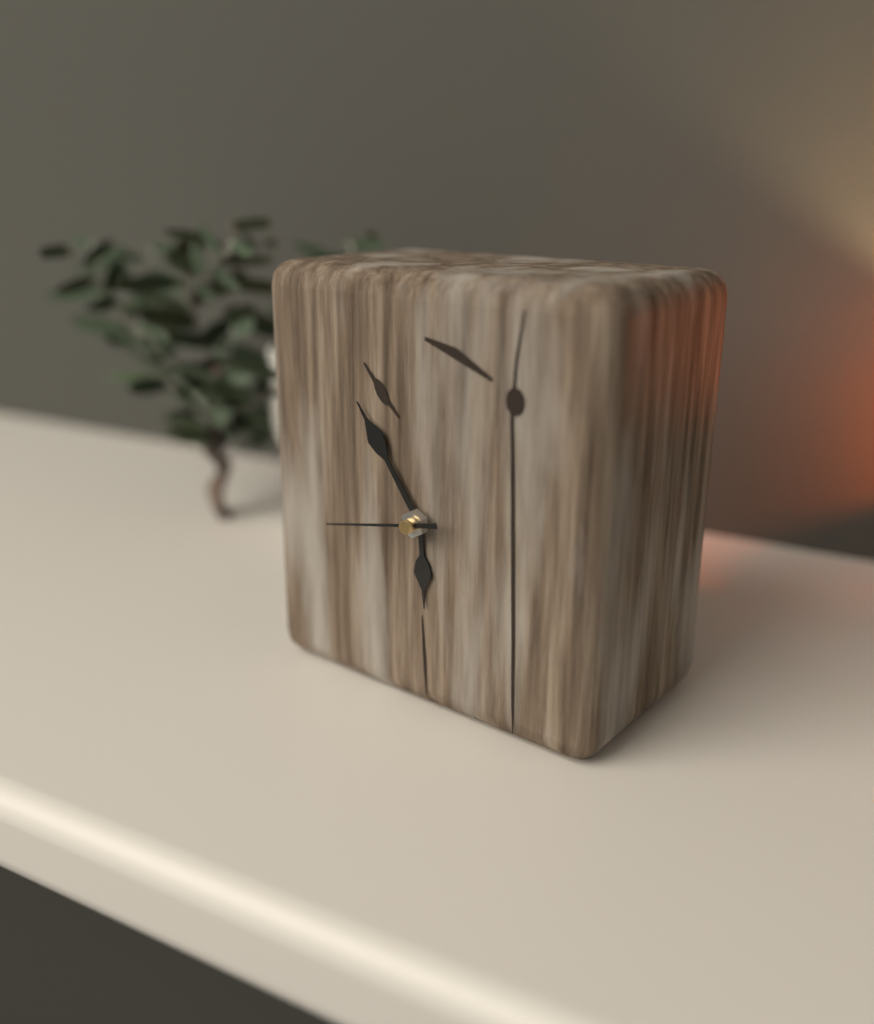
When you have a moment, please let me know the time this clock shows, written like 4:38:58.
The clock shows 5:54:43
